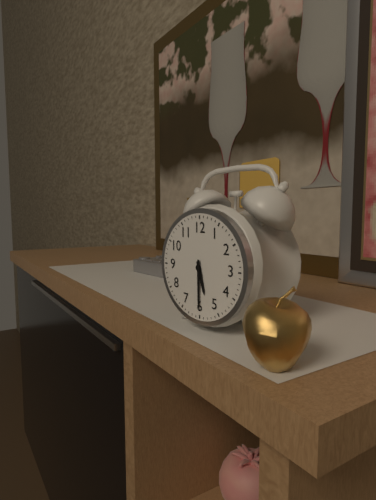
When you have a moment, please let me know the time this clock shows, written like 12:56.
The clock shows 5:30
